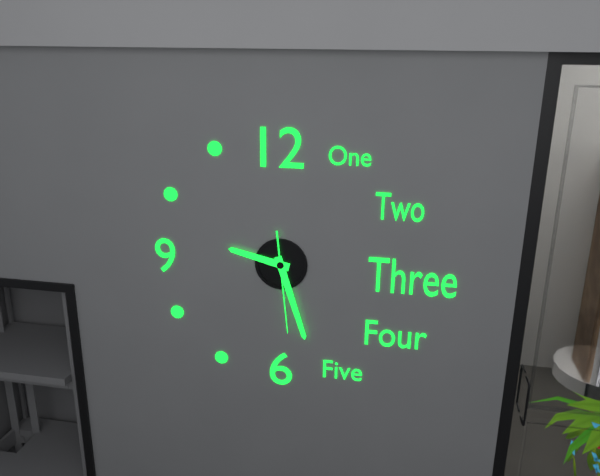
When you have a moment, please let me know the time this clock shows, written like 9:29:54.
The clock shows 9:27:29
